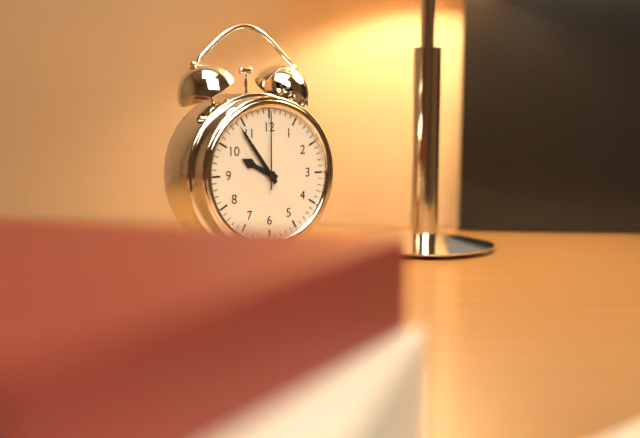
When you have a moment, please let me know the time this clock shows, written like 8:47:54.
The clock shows 9:54:00
